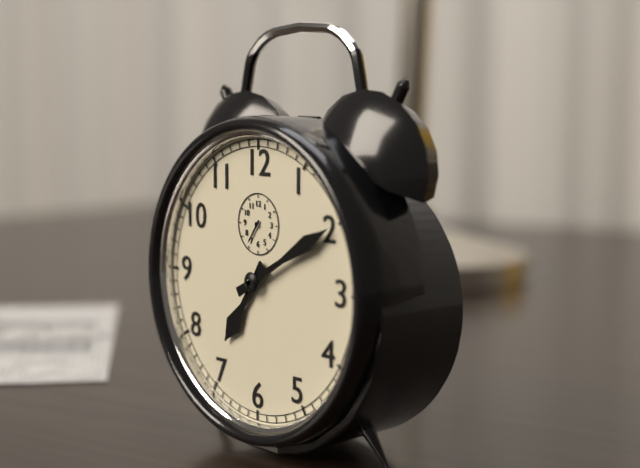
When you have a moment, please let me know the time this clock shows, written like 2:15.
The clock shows 7:10
